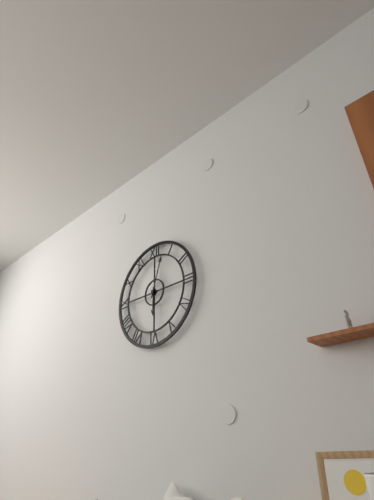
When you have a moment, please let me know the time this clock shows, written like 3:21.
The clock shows 6:03
